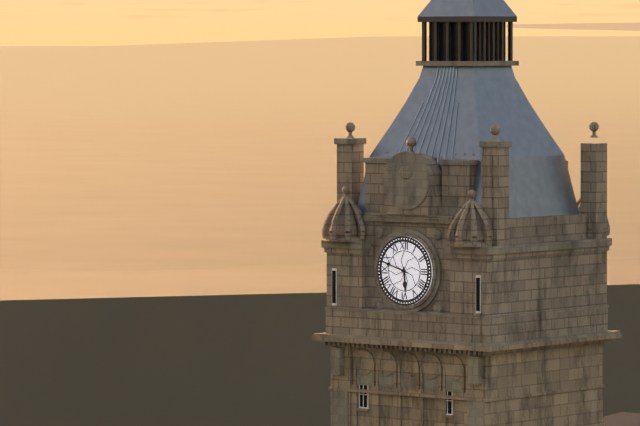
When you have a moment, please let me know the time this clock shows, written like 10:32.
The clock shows 5:48
